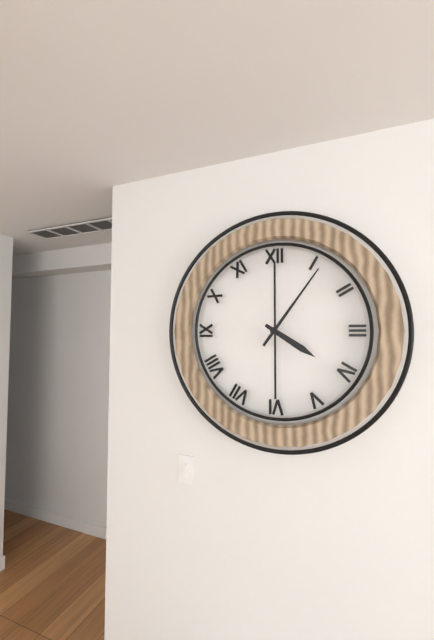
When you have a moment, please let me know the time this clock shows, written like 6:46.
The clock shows 4:06
